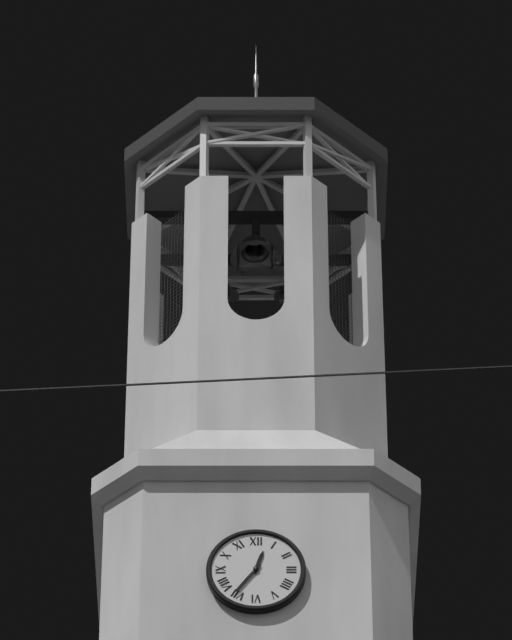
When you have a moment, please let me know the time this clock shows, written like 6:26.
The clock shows 12:36
